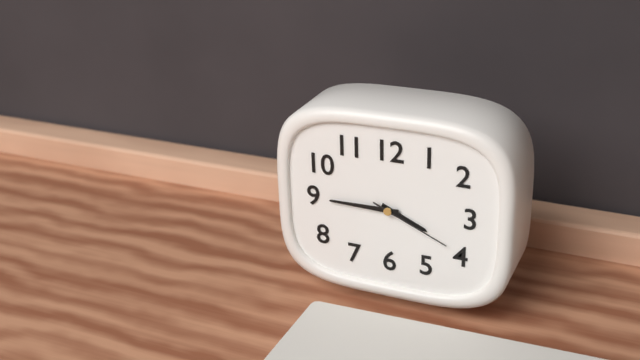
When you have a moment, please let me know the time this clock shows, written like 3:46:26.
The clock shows 3:45:19
